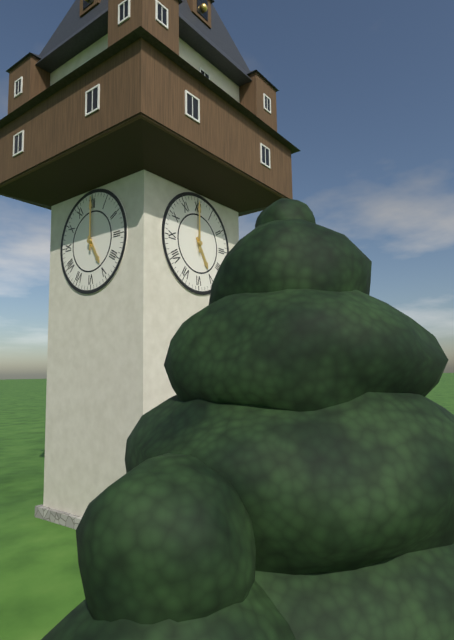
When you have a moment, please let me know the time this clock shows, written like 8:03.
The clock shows 5:00
